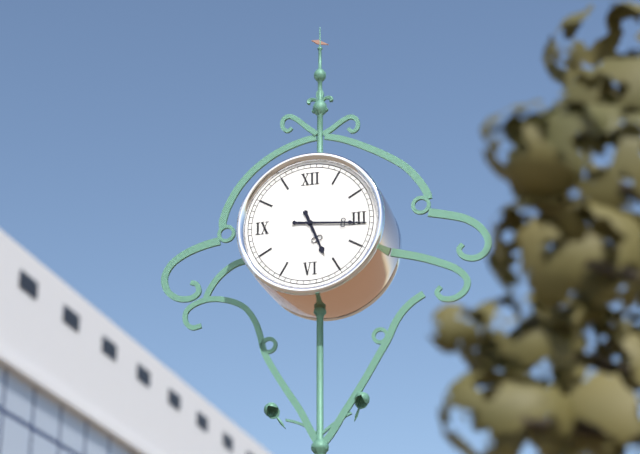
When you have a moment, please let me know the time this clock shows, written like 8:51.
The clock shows 5:16
